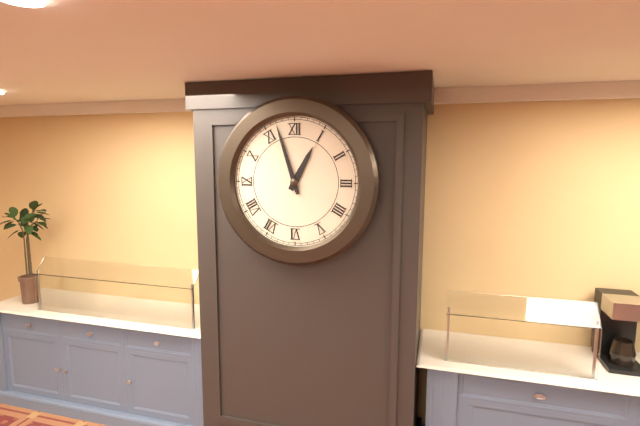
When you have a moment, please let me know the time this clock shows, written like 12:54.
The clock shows 12:57
